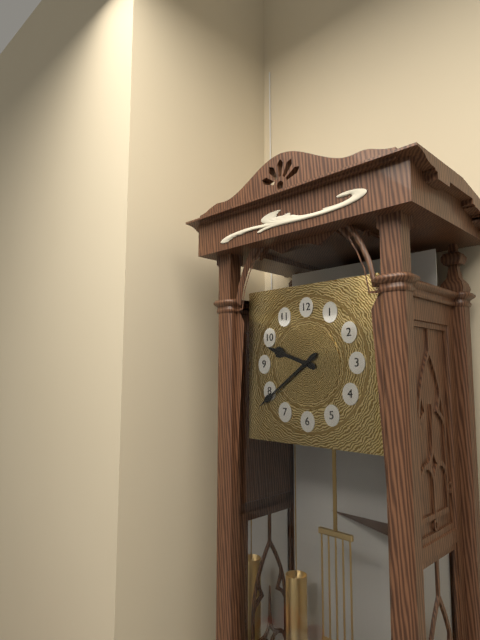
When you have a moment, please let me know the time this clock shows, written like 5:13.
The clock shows 9:39
